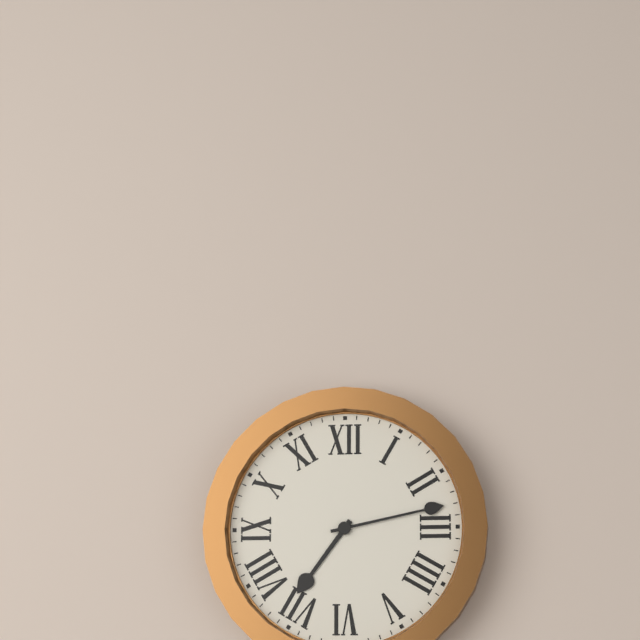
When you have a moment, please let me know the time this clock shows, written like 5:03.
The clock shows 7:13
